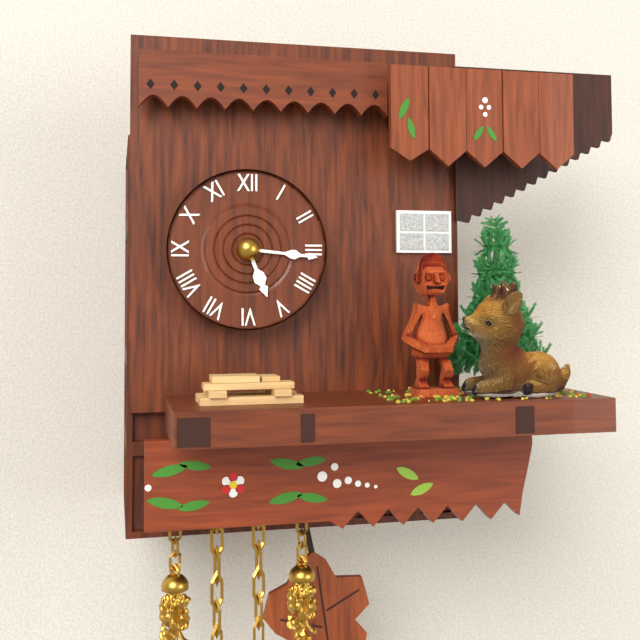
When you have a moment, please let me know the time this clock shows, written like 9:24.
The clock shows 5:16
